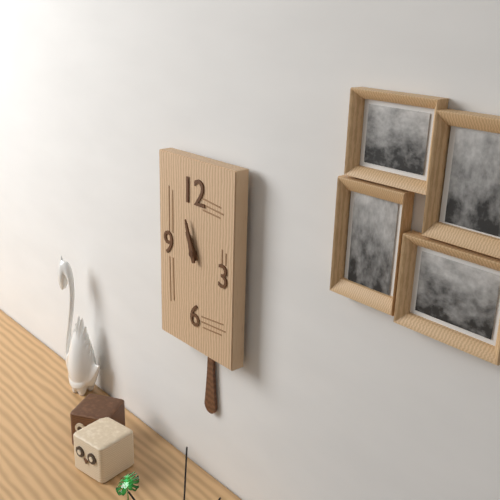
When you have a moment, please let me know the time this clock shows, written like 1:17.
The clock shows 10:57
